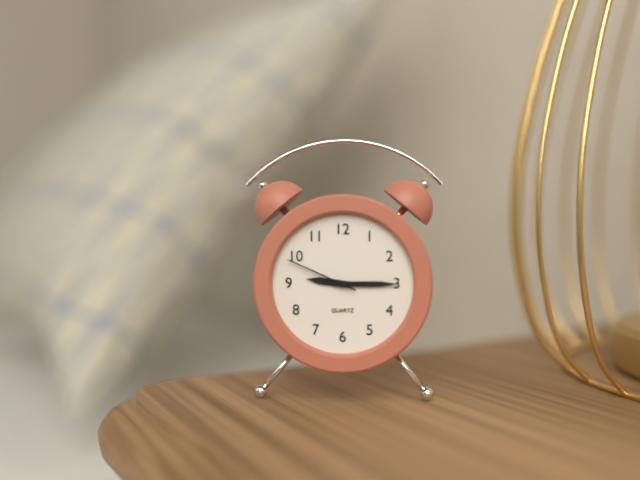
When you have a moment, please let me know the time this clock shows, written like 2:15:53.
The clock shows 9:15:49
